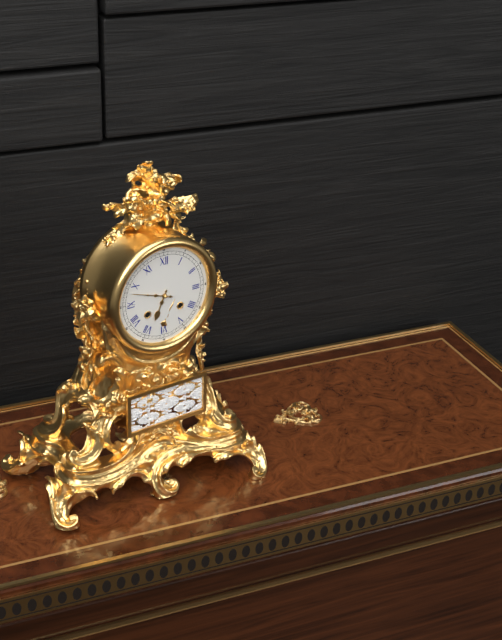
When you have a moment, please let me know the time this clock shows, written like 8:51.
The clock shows 6:48
